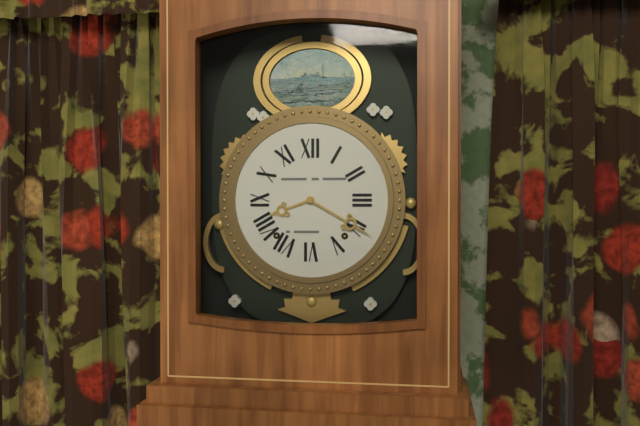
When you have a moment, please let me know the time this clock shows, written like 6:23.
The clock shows 8:20
